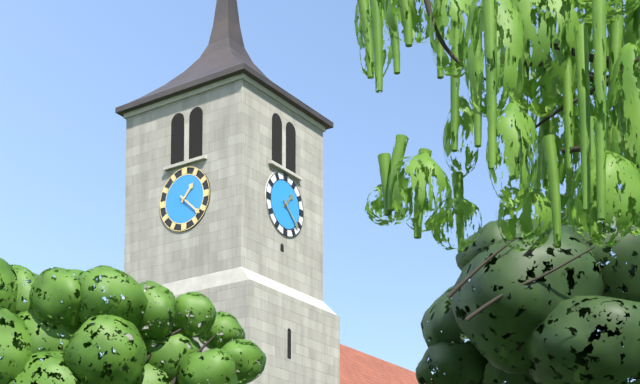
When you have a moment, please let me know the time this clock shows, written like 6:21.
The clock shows 1:22
